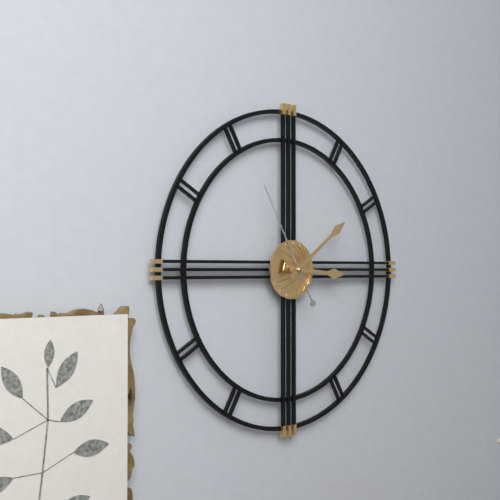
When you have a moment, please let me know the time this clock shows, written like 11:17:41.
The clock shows 3:09:55
